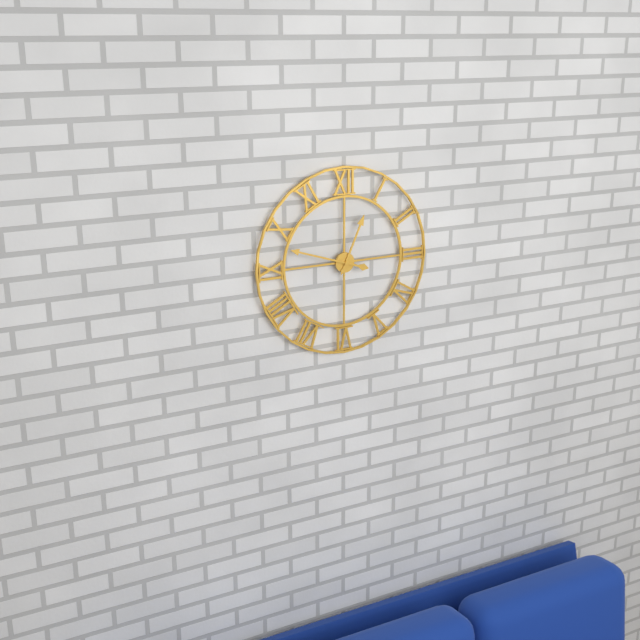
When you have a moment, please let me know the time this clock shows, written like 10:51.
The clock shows 12:48
